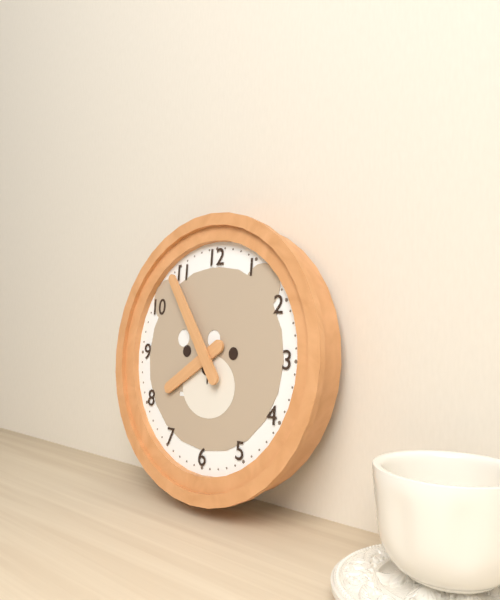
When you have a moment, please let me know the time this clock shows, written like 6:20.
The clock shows 7:54
